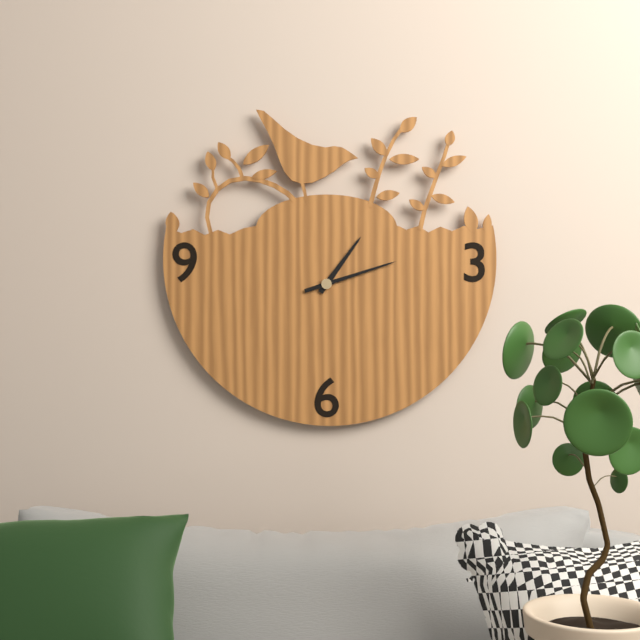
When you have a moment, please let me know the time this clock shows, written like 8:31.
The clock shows 1:12
